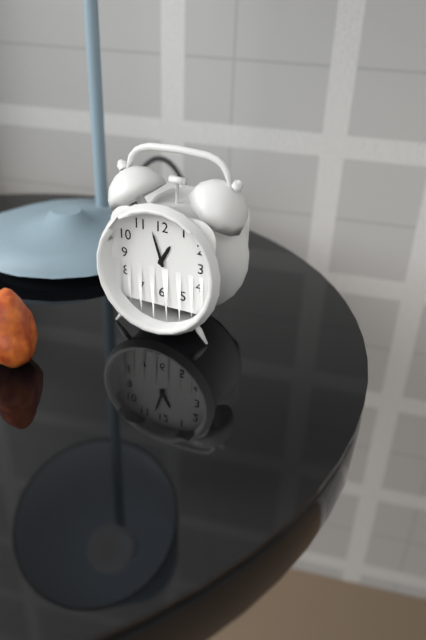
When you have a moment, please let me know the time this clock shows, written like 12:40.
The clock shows 12:57
